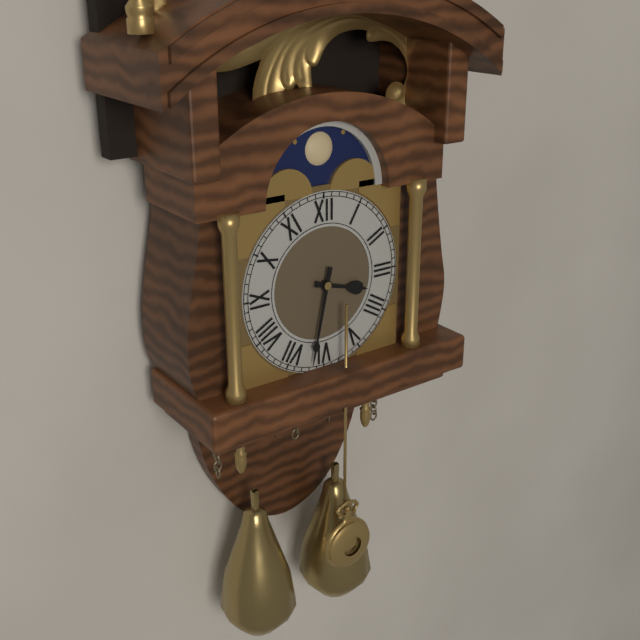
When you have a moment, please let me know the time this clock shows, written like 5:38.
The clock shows 3:32
